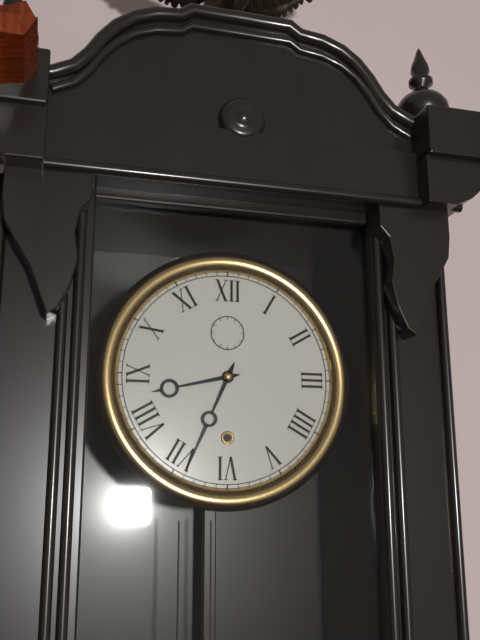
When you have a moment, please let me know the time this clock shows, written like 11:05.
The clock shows 8:34
